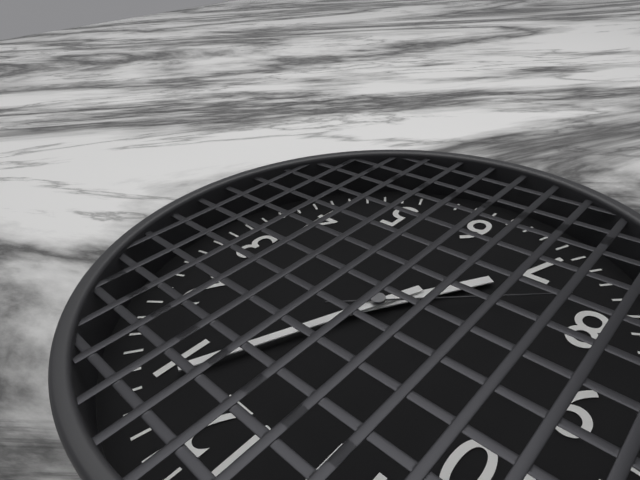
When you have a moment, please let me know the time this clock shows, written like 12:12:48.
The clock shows 7:04:38
